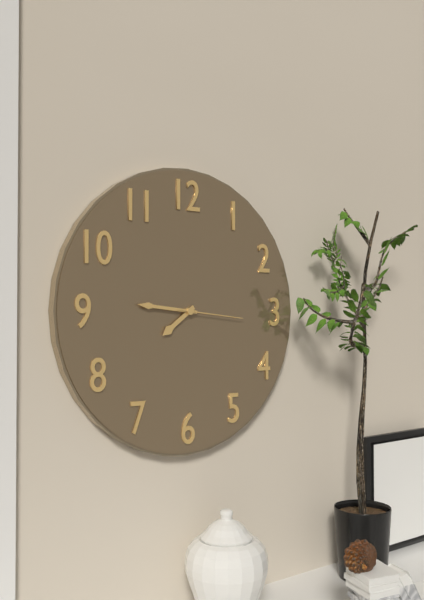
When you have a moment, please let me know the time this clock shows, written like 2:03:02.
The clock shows 7:46:16
